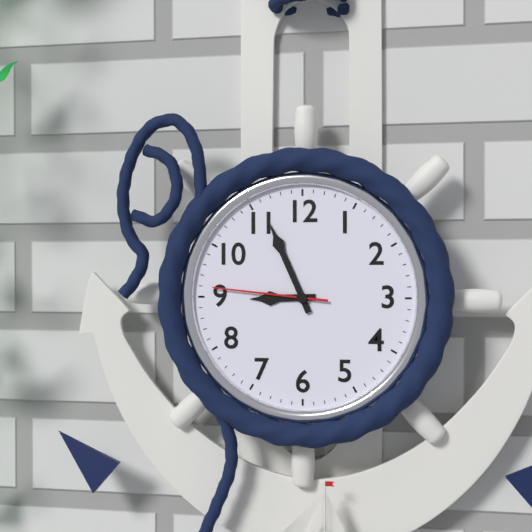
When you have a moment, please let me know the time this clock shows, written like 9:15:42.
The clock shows 8:56:46
